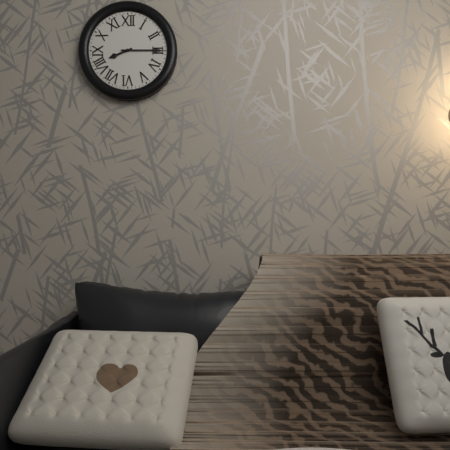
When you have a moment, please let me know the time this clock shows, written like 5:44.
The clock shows 8:15
